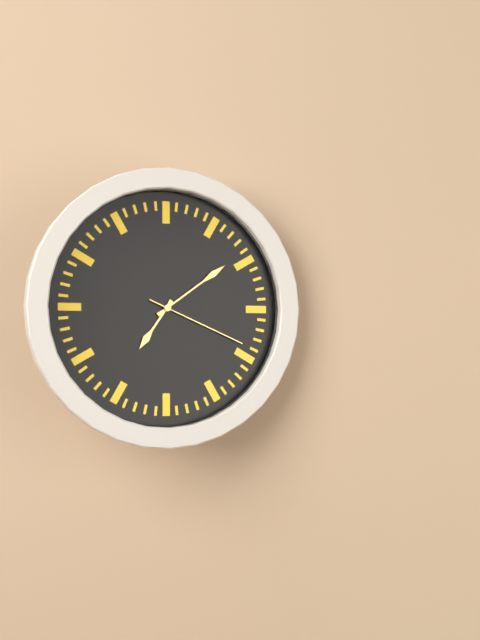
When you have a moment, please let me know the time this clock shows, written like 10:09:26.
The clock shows 7:09:19
